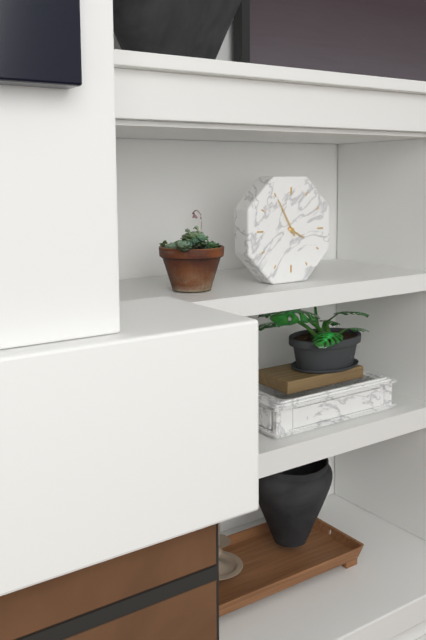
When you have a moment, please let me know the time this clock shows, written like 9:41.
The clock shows 3:55
